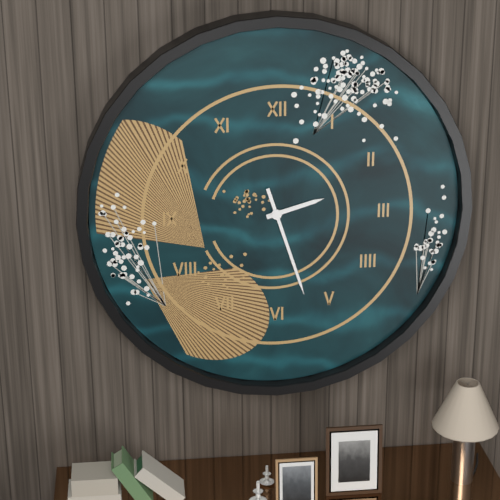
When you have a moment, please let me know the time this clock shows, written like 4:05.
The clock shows 2:27
